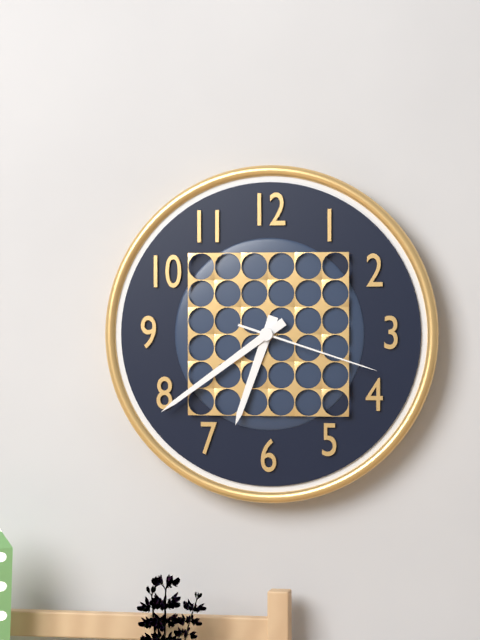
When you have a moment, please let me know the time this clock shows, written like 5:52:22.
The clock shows 6:39:18
